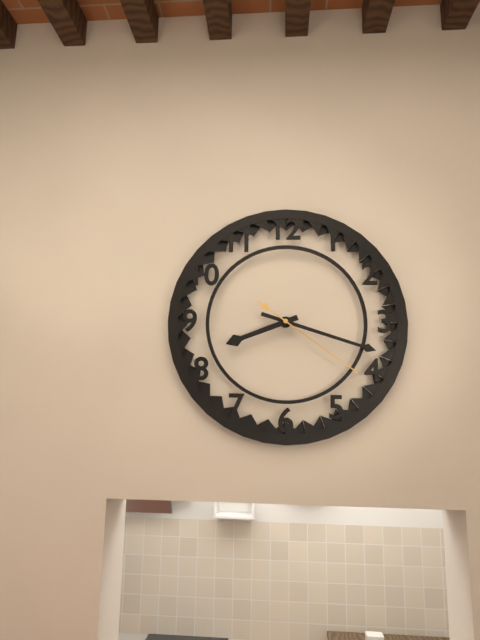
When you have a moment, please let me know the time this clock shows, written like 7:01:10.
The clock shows 8:18:21
